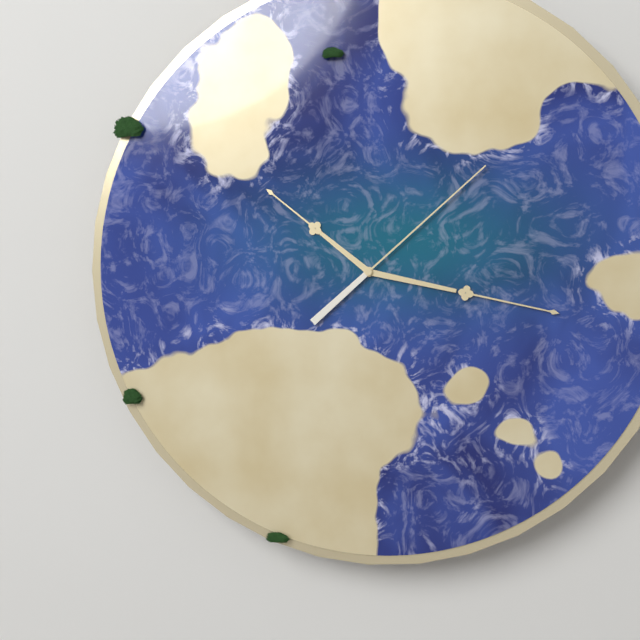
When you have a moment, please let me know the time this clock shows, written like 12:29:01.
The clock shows 10:17:08
